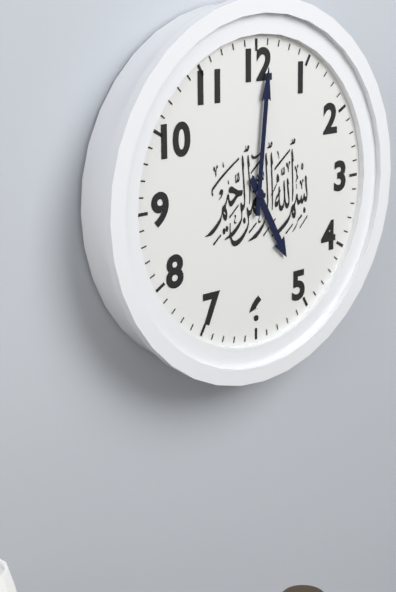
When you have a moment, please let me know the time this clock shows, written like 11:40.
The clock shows 5:01
